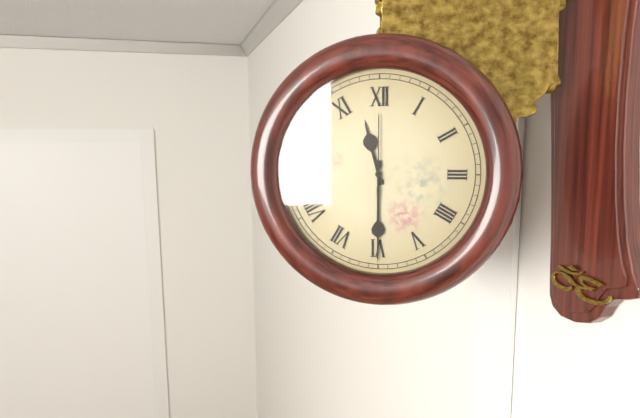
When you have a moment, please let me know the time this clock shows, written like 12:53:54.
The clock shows 11:30:00
